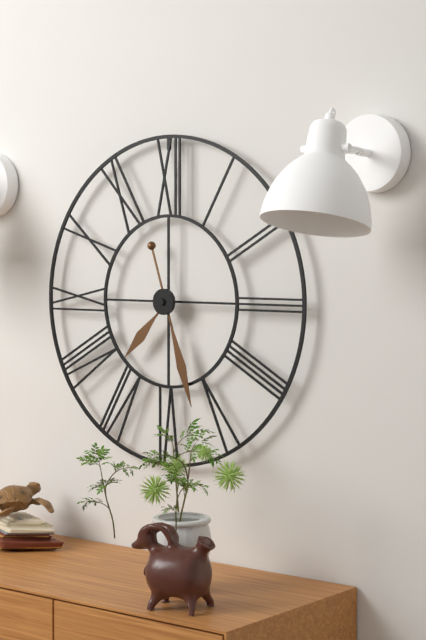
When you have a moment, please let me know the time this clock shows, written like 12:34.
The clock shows 7:27
